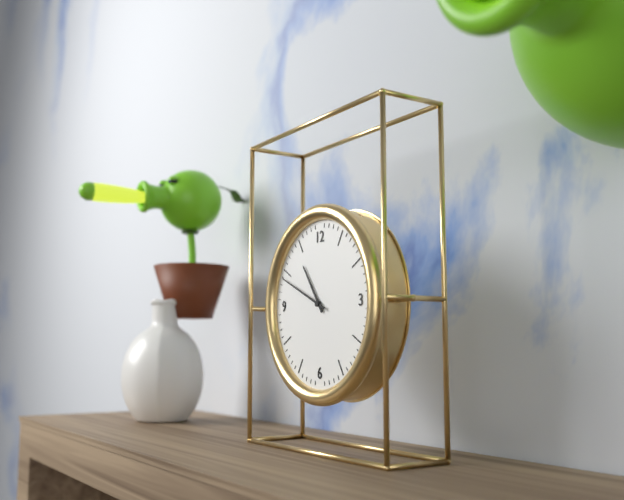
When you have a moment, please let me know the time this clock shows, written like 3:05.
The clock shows 10:49
